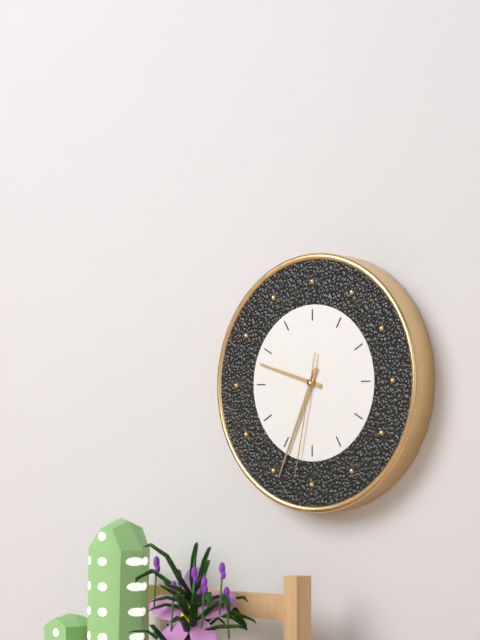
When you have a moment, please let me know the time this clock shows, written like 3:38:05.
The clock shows 9:34:32
